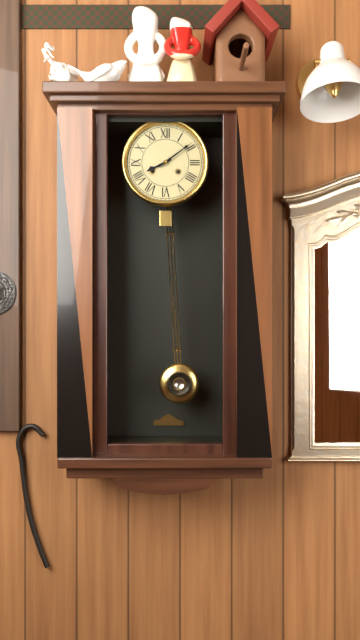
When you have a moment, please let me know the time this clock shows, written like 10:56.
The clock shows 8:09
